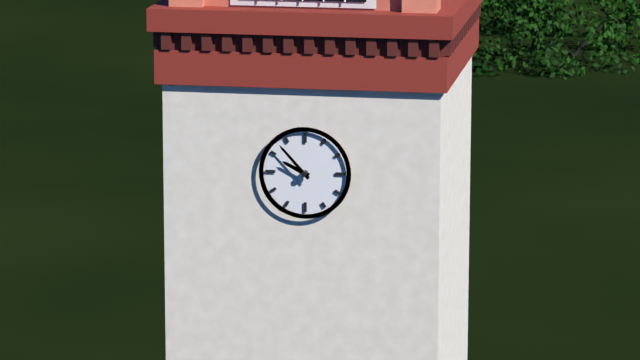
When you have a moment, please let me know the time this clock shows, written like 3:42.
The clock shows 9:53
